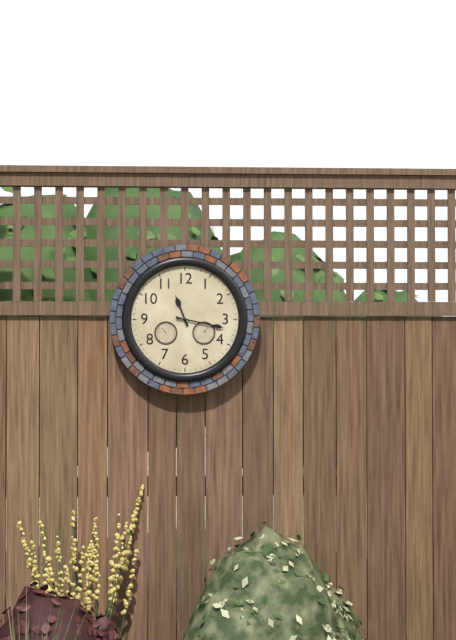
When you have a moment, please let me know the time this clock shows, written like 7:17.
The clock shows 11:17
